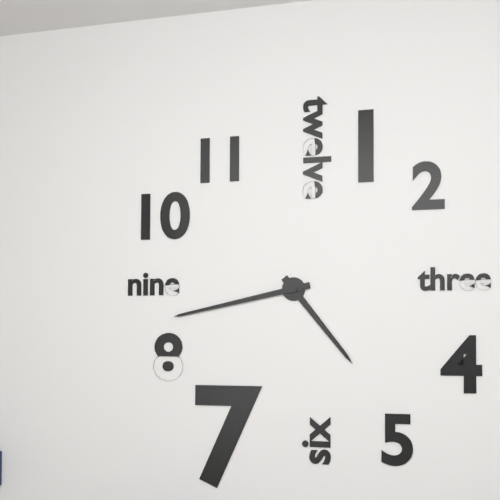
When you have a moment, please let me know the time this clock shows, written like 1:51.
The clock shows 4:43
